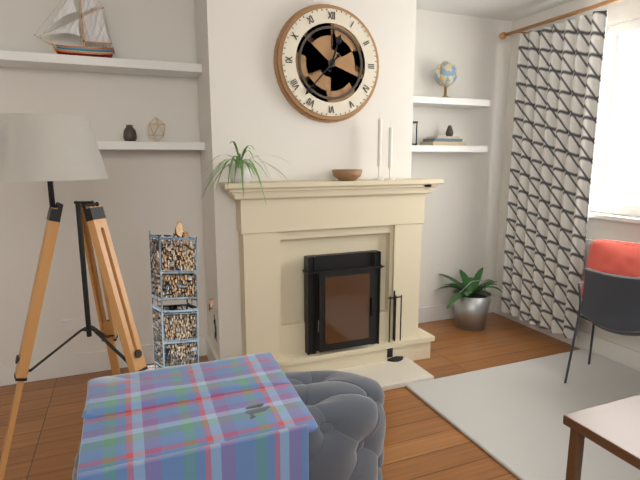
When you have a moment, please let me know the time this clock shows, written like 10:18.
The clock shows 12:37
